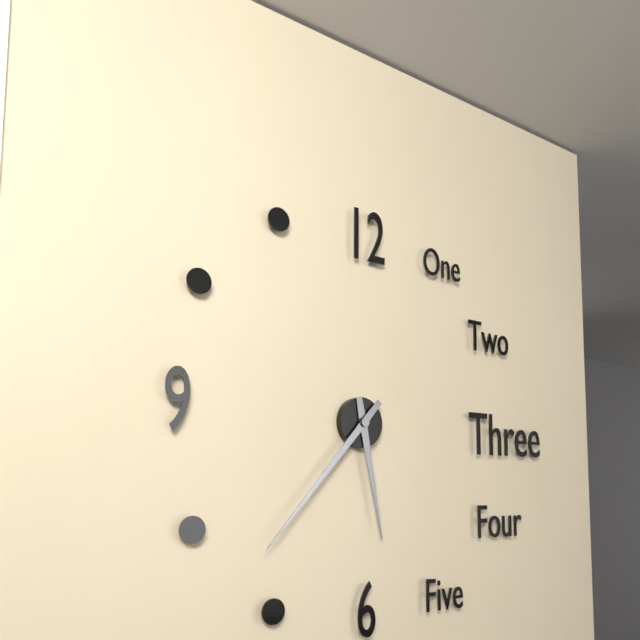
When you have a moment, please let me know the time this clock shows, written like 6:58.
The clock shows 5:37
